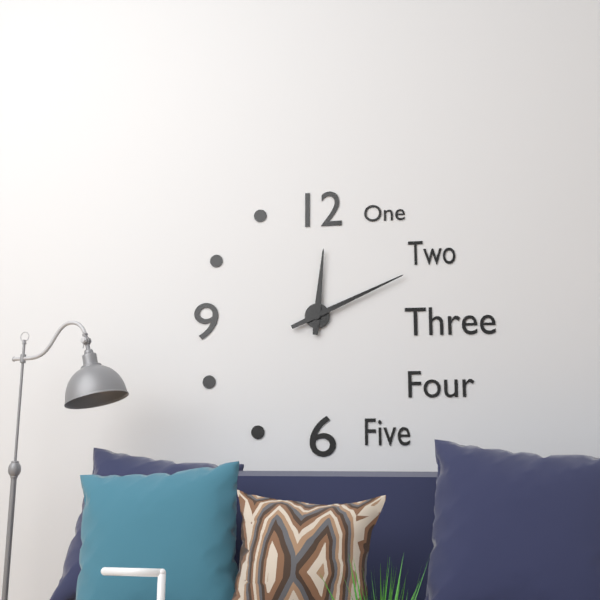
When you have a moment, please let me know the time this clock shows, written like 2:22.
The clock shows 12:11
